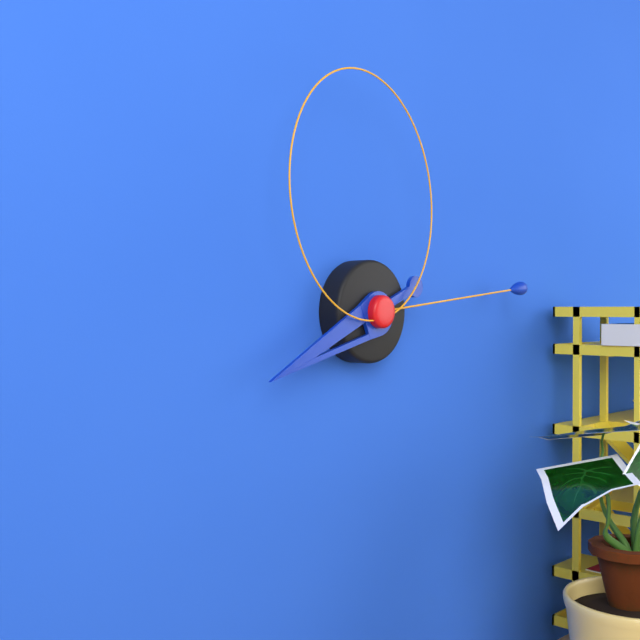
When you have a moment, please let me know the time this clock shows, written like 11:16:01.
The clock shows 8:14:58
